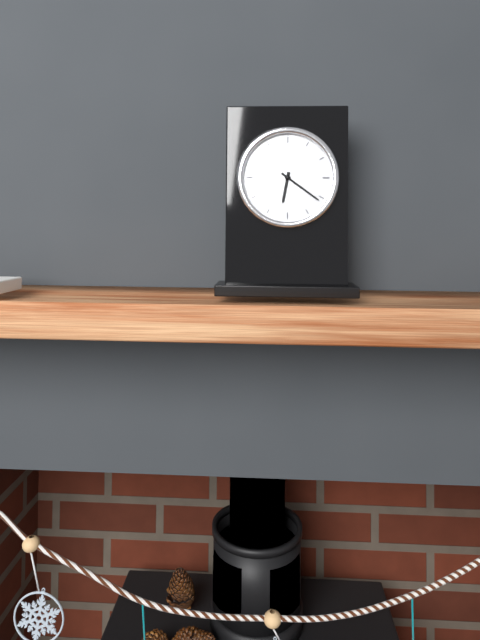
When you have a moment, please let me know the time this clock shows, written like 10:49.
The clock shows 6:21
